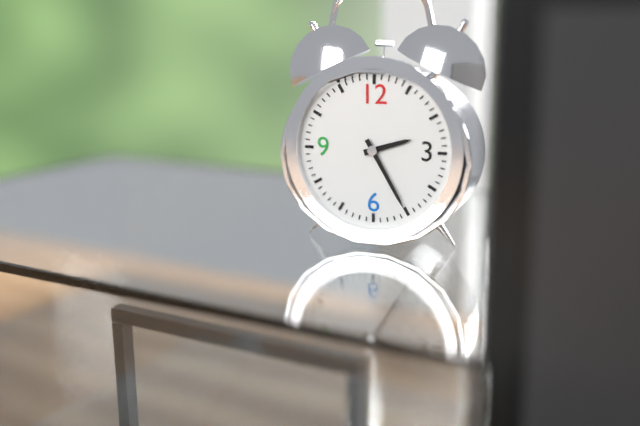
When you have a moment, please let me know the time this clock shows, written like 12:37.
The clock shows 2:25
